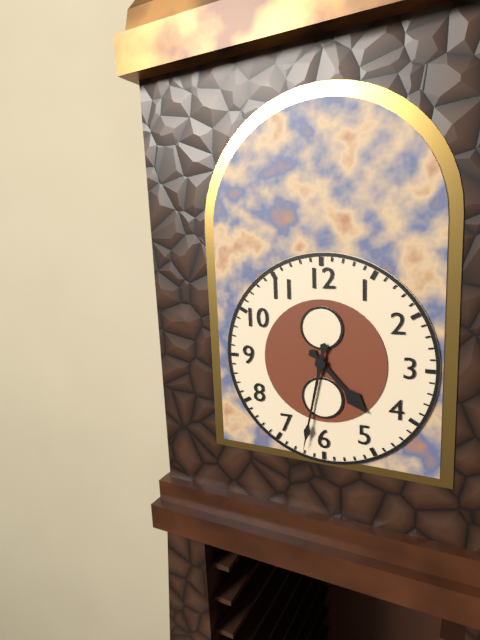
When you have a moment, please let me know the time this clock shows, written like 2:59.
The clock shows 4:32
